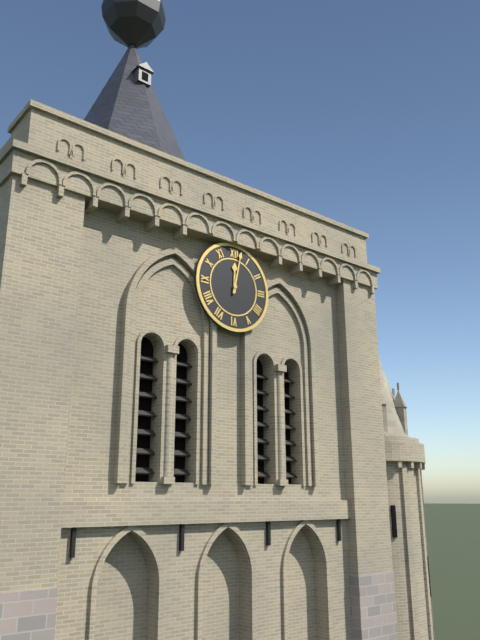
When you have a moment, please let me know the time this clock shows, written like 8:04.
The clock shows 12:02
